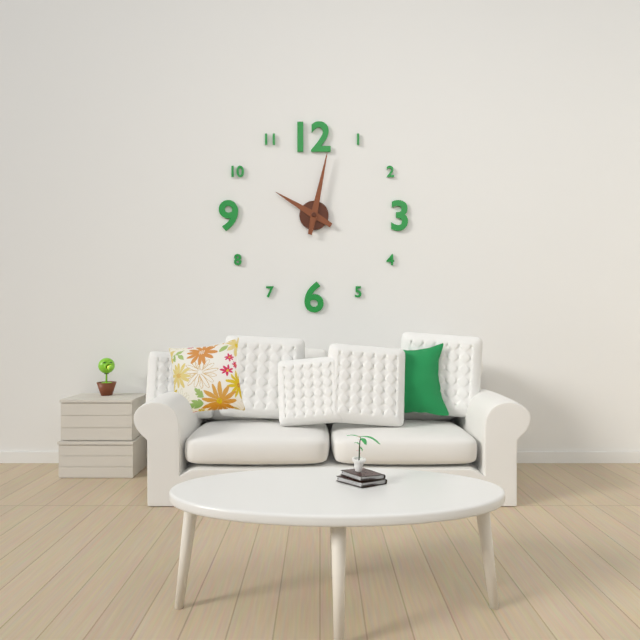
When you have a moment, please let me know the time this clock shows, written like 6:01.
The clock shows 10:02
